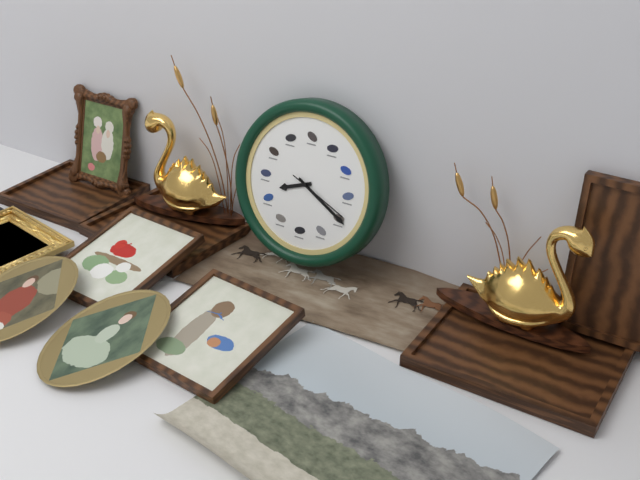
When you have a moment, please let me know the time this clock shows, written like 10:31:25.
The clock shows 8:20:19
